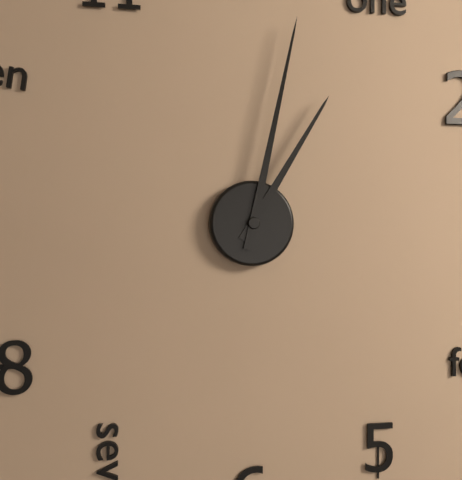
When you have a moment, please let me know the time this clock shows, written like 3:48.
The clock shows 1:02
